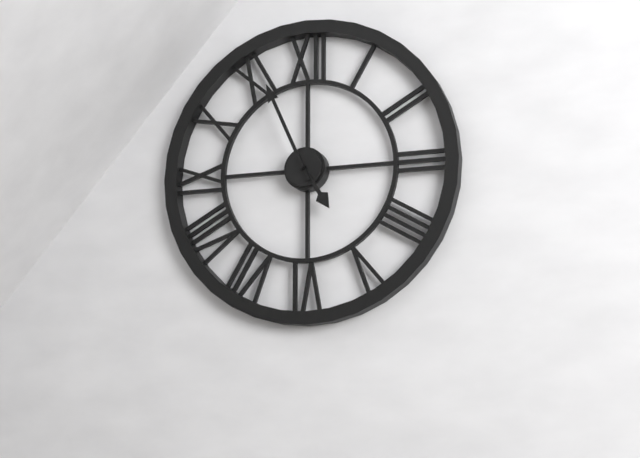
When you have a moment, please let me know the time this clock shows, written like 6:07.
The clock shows 4:56
